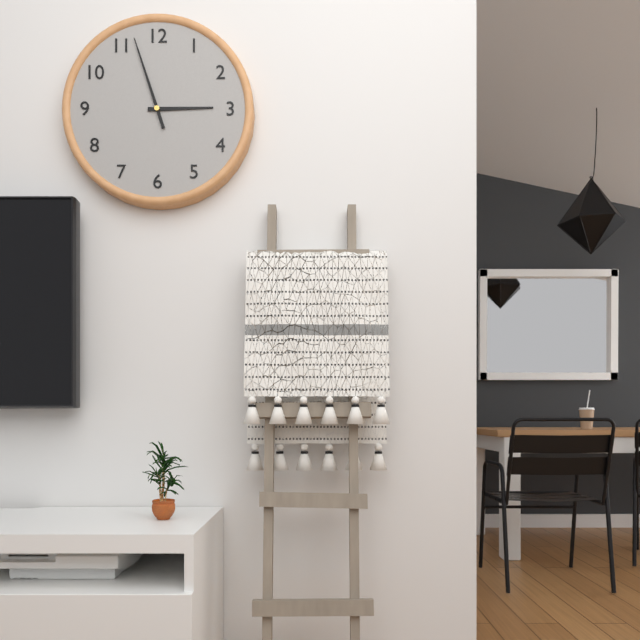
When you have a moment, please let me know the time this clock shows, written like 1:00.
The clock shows 2:57
